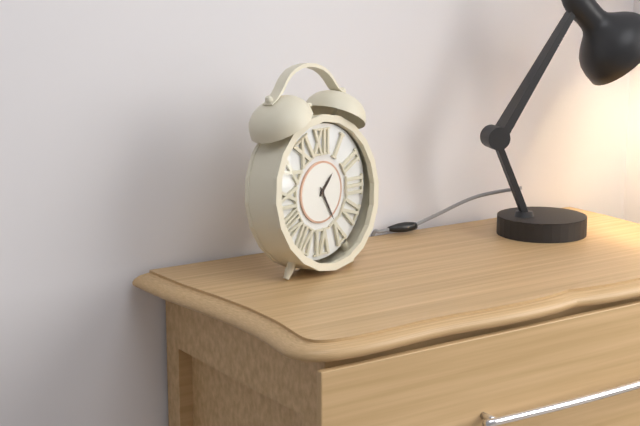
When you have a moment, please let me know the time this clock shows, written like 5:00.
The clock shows 1:25
